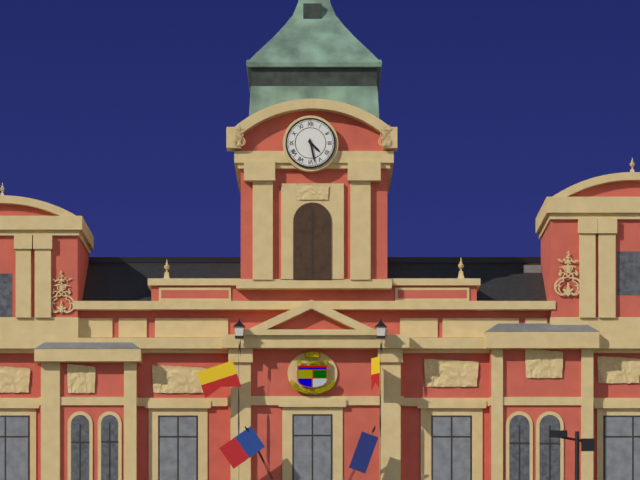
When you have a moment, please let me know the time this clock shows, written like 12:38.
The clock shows 4:28
